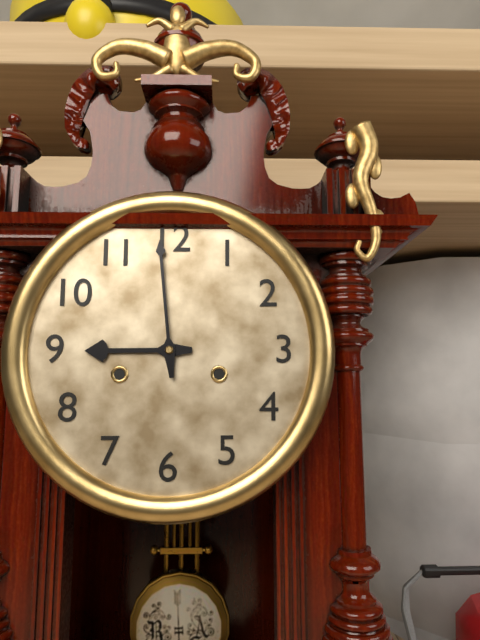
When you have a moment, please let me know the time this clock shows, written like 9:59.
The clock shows 8:59
